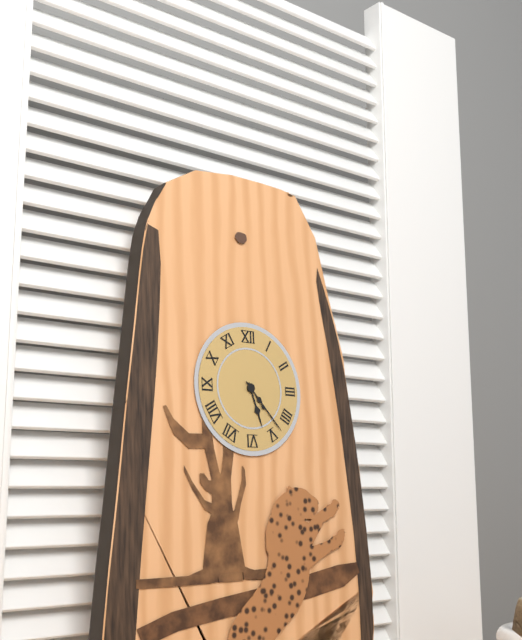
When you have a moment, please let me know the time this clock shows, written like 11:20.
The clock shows 5:23
